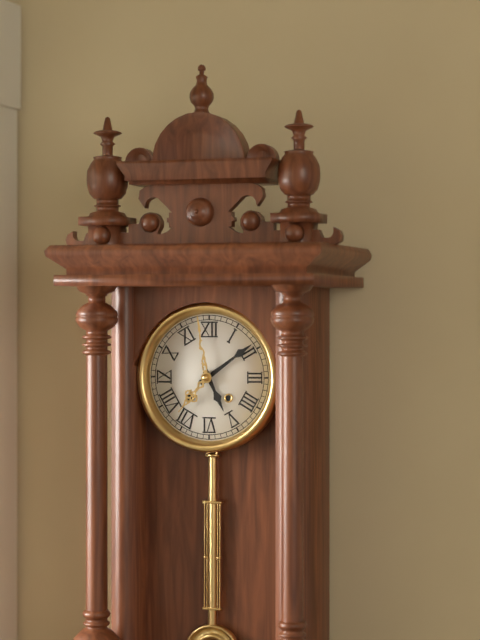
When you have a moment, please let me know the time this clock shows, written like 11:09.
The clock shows 5:09
